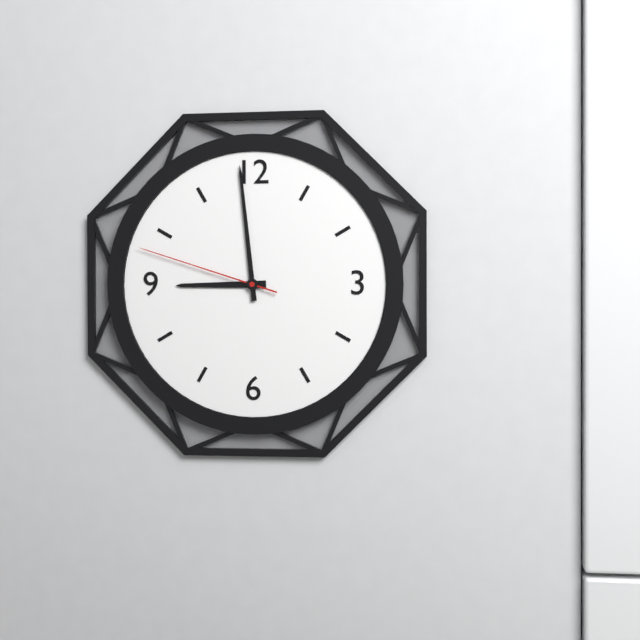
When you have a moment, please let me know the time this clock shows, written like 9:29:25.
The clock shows 8:59:48
